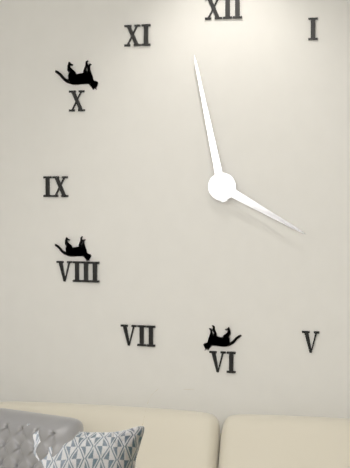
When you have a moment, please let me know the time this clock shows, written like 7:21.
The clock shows 3:58
